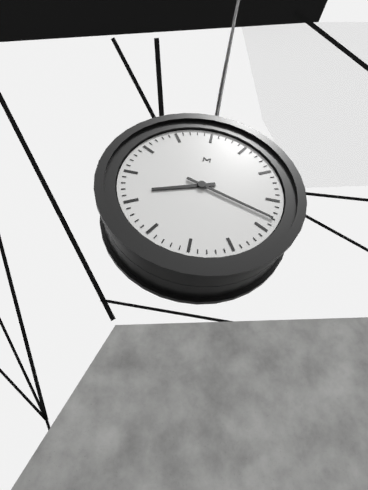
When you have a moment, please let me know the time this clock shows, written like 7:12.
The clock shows 8:18
